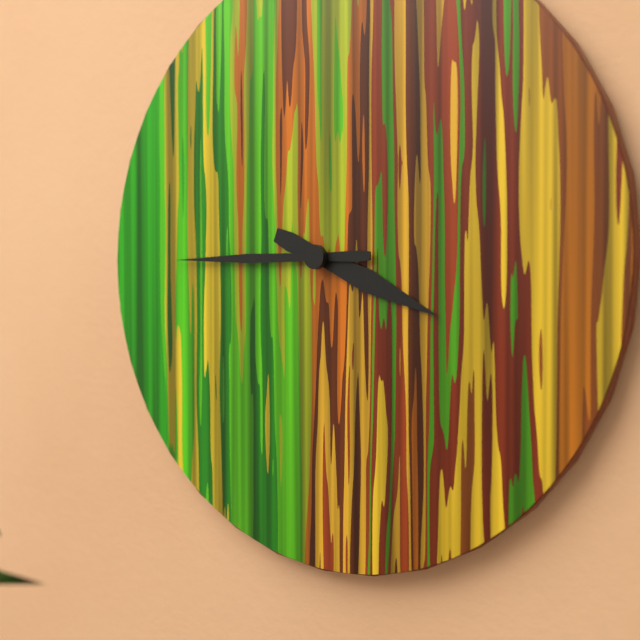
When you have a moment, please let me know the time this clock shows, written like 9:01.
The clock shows 3:45
